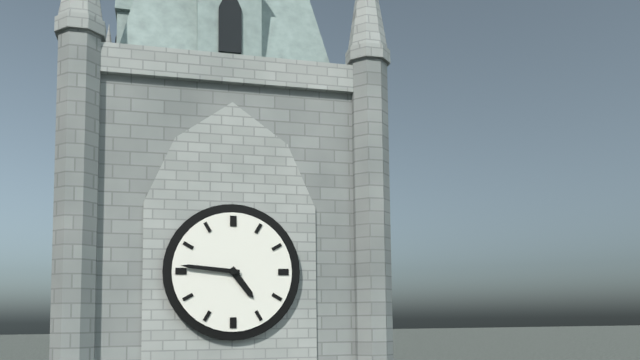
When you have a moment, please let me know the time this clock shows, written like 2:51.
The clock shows 4:46
